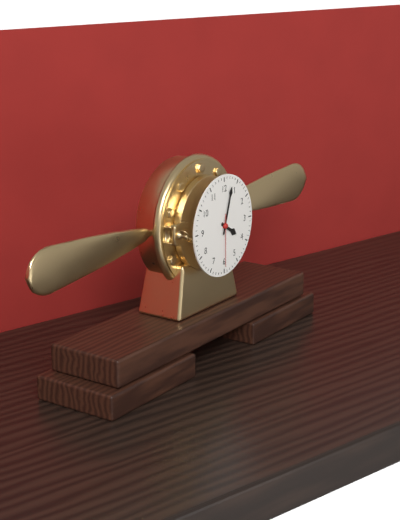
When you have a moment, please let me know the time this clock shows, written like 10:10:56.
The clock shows 4:03:30
